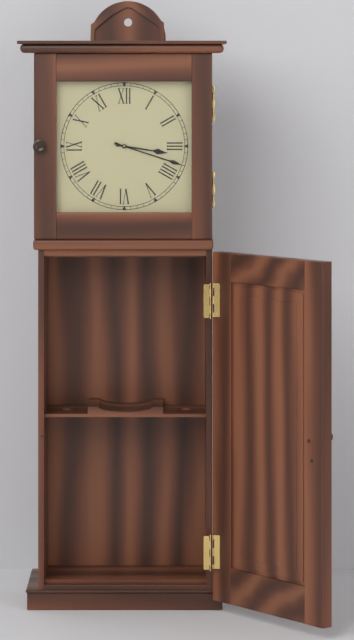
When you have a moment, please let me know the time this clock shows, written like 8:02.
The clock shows 3:18
